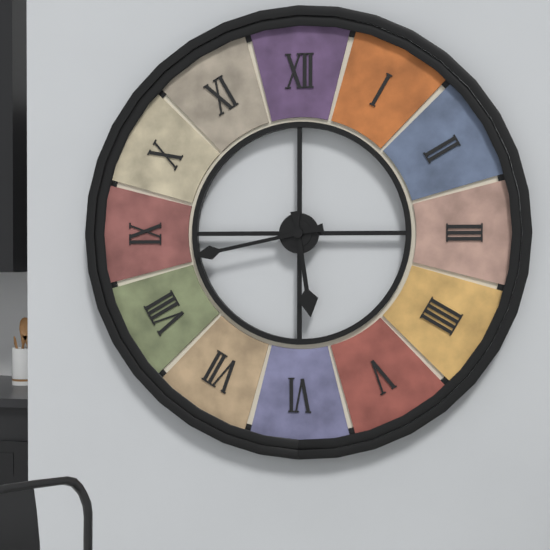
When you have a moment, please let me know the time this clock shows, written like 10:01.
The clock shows 5:43
